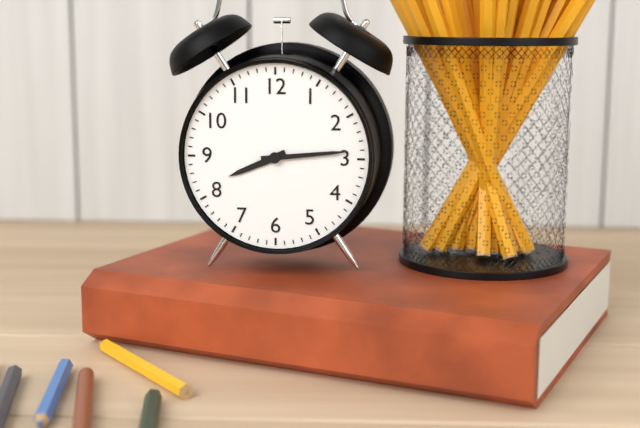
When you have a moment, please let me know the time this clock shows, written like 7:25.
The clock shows 8:14
